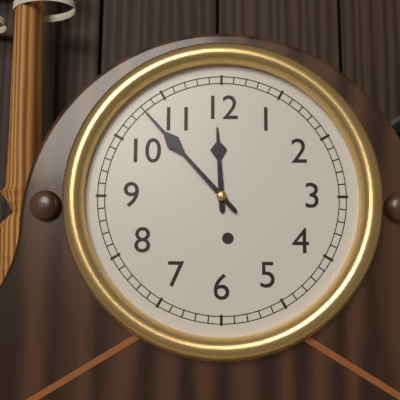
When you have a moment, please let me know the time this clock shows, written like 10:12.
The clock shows 11:53
